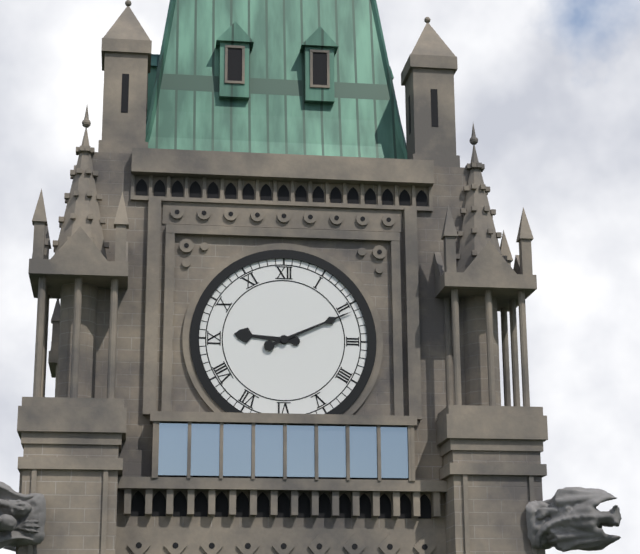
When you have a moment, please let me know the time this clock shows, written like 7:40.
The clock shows 9:11
